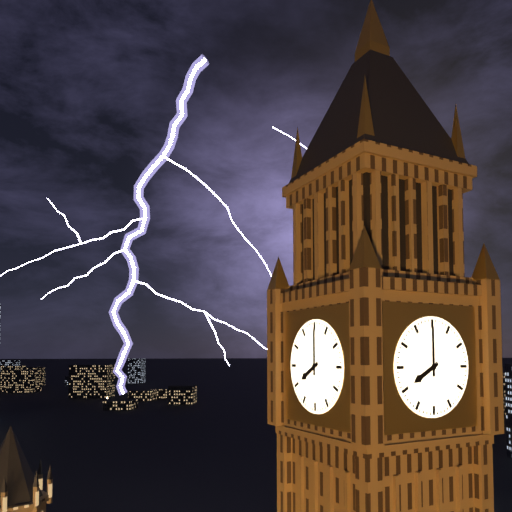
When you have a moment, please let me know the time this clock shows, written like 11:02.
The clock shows 8:00
